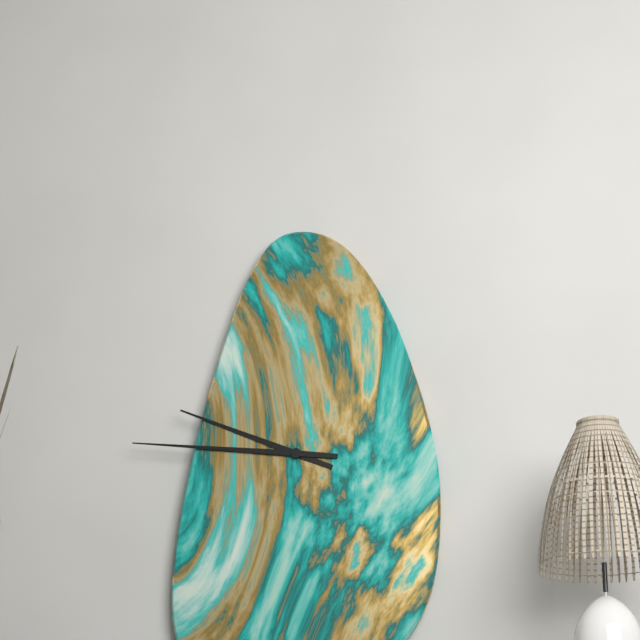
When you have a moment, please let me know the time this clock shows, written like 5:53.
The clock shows 9:46
